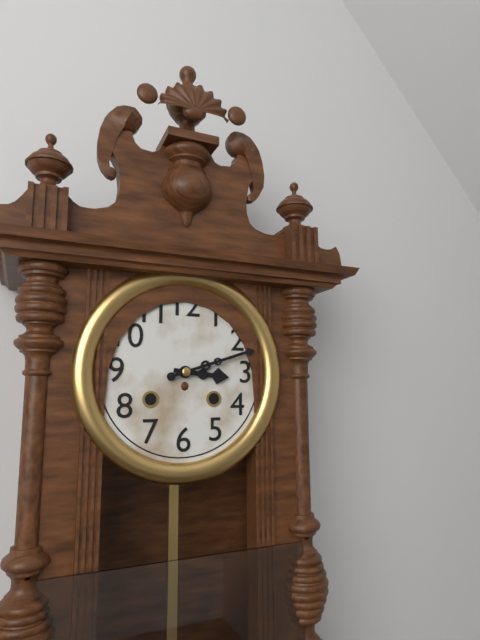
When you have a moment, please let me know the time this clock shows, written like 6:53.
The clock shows 3:12
